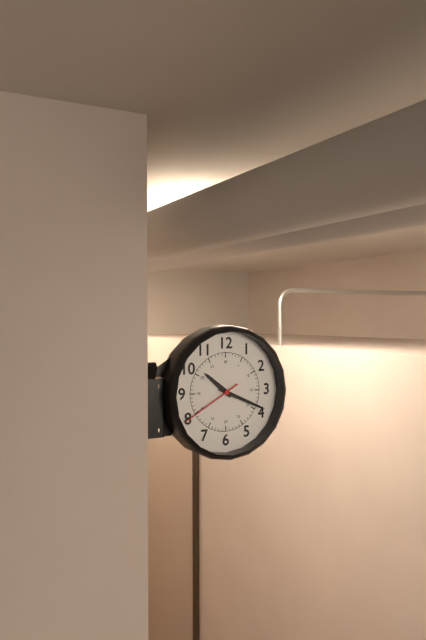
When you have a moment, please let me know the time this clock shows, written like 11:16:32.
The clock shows 10:19:40
